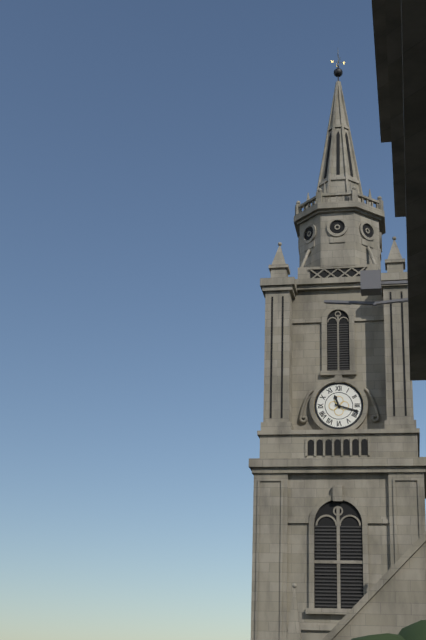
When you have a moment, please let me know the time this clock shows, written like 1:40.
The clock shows 11:18
